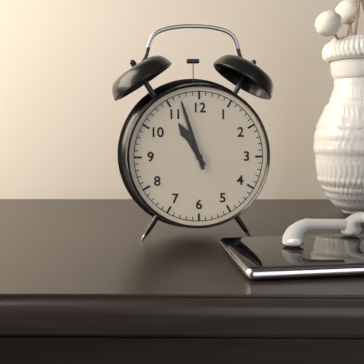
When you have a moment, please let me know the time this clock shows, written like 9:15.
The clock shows 10:57
